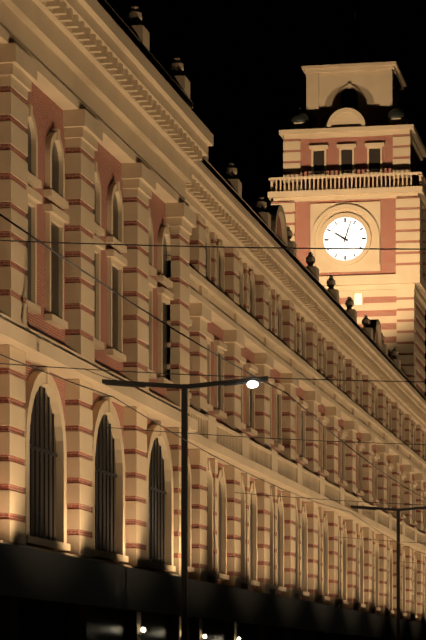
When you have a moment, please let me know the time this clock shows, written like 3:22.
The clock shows 10:03
